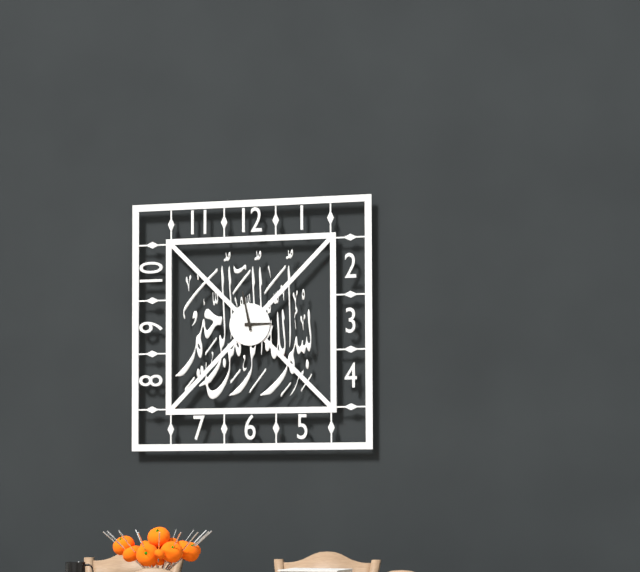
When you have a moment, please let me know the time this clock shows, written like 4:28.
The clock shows 2:58
